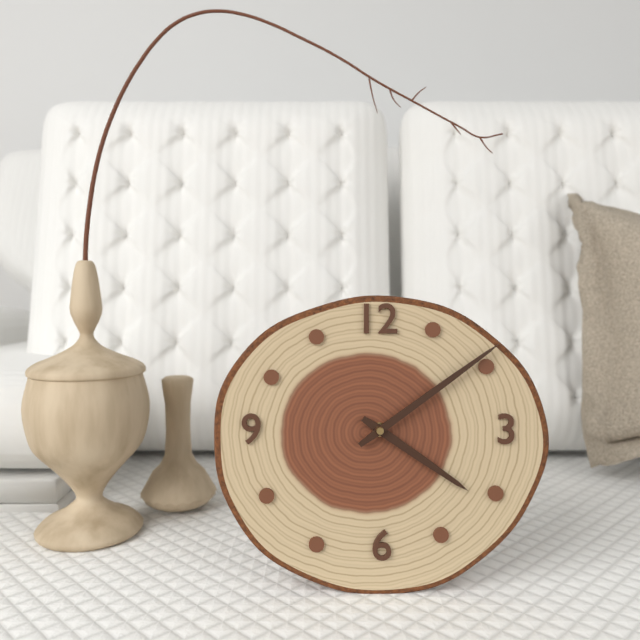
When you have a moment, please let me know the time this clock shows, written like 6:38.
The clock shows 4:09
